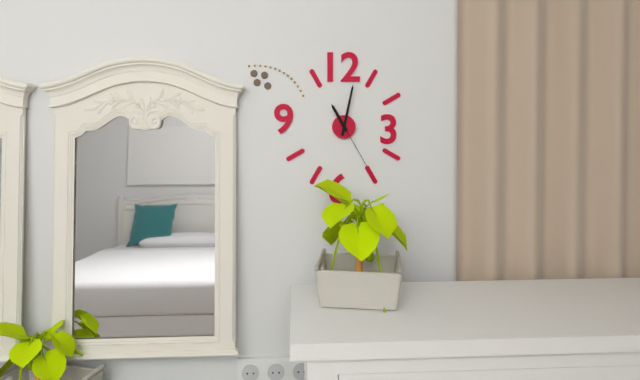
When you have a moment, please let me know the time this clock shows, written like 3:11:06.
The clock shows 11:02:25
